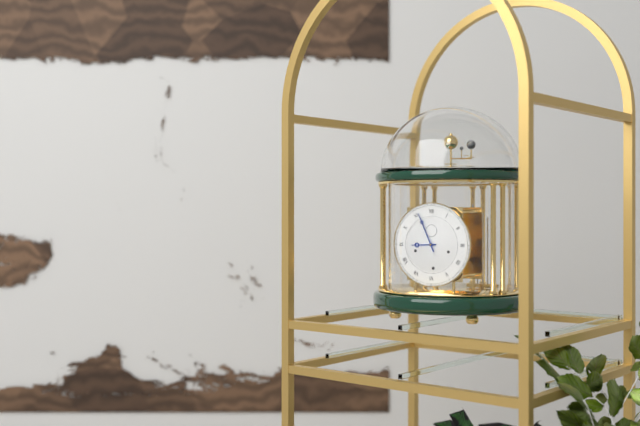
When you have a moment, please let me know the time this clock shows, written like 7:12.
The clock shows 8:56
